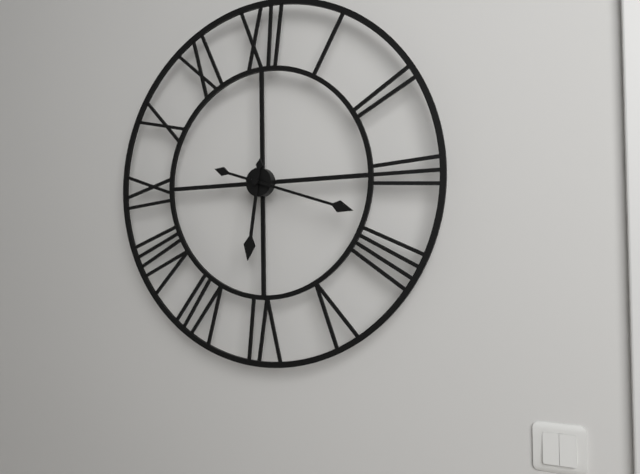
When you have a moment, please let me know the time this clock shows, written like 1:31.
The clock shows 6:18
